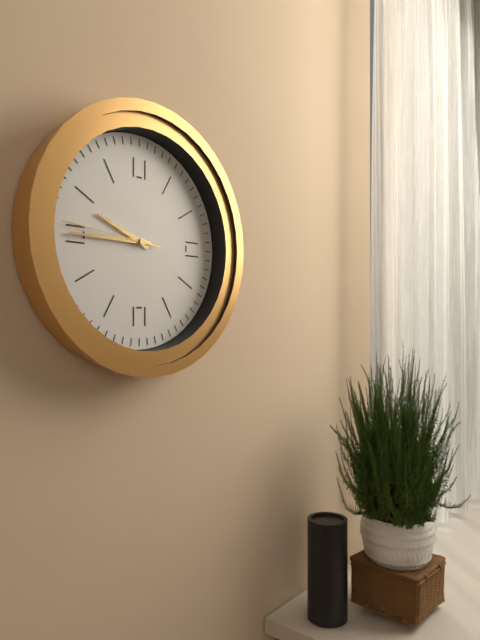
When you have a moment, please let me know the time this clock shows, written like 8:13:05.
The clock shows 9:45:46
